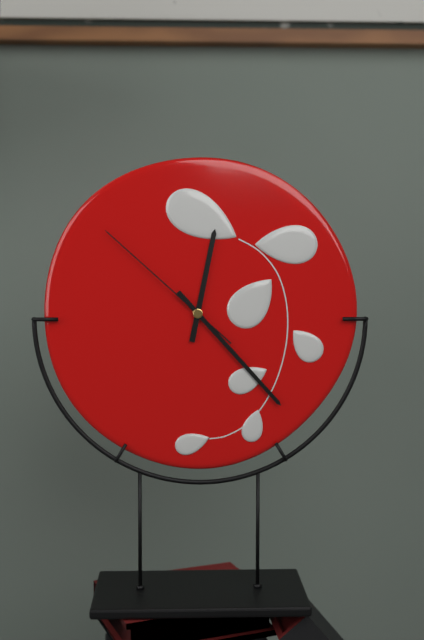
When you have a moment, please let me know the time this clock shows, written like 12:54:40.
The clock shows 12:23:52
